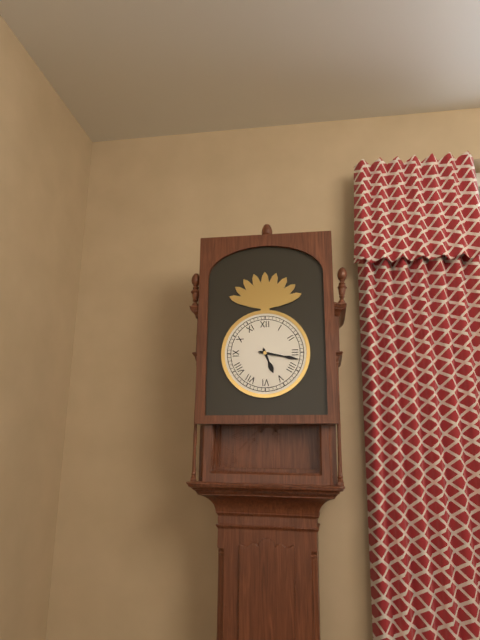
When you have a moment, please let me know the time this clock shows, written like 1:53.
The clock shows 5:17
